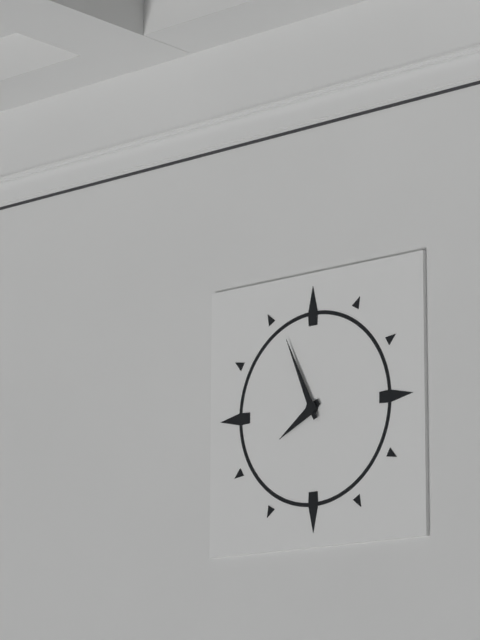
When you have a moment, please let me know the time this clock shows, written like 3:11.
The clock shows 7:56
